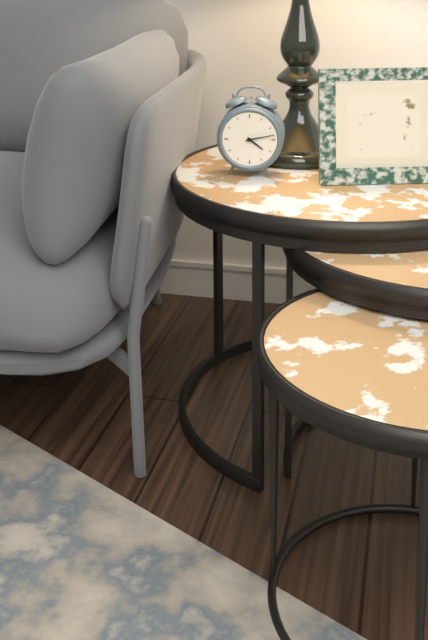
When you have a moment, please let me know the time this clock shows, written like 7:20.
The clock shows 4:13
